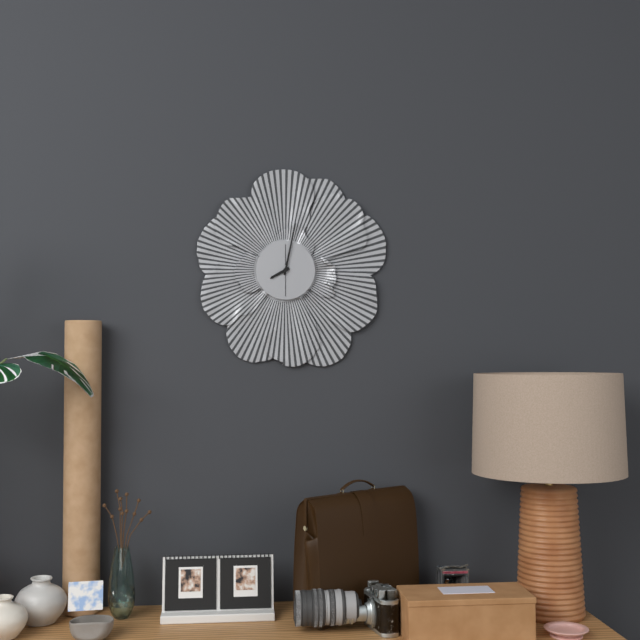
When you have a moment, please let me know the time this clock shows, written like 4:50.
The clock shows 8:02
